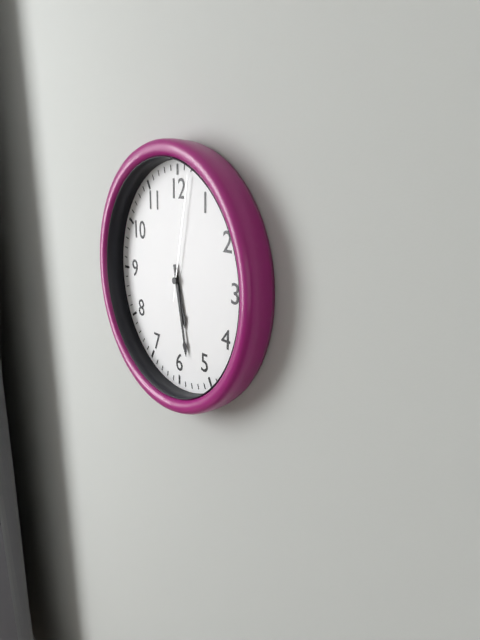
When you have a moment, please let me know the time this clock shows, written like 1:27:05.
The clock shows 5:28:02
